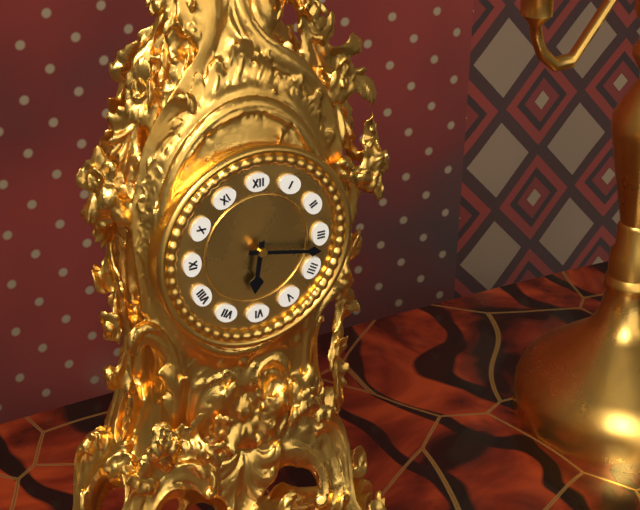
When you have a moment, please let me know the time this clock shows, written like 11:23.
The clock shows 6:17
